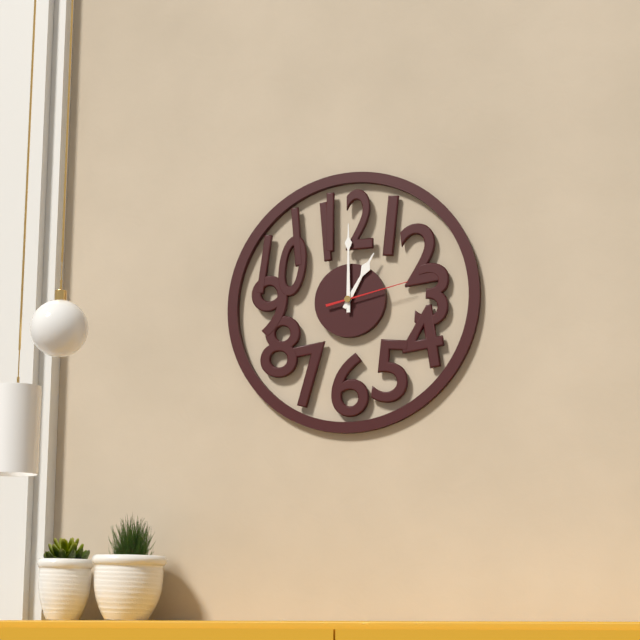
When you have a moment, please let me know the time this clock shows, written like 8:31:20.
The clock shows 1:00:13
